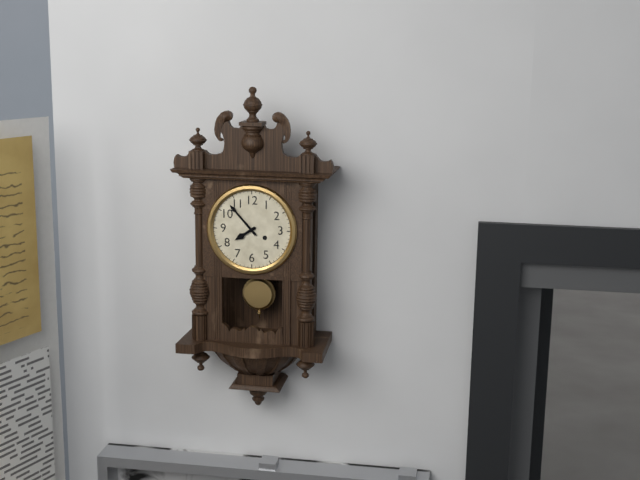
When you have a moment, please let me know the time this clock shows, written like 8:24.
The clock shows 7:53
